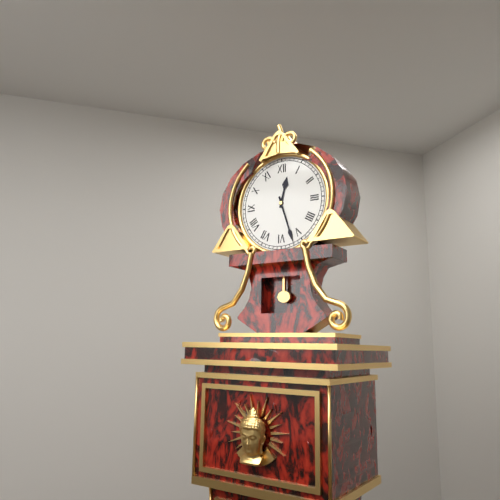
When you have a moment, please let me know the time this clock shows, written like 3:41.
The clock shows 12:27
